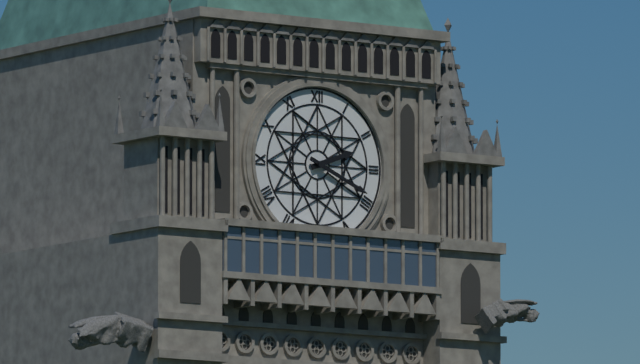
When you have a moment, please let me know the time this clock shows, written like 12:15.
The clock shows 2:19
